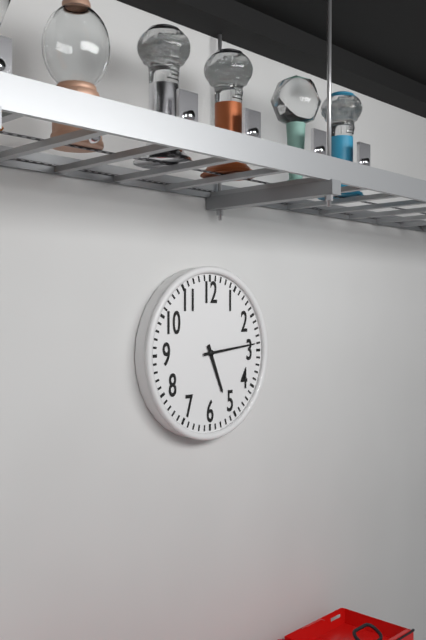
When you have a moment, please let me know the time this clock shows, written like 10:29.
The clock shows 5:14
